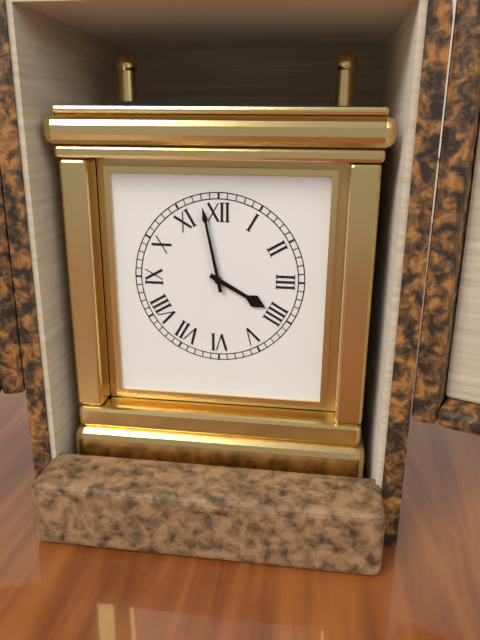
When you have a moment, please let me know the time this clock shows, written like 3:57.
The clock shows 3:58
